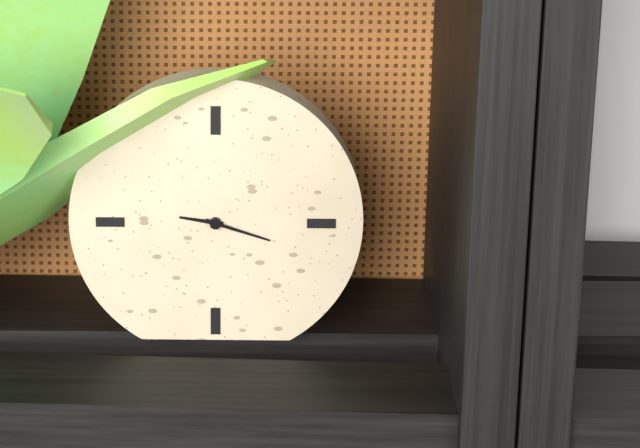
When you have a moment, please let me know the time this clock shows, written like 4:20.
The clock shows 9:18
